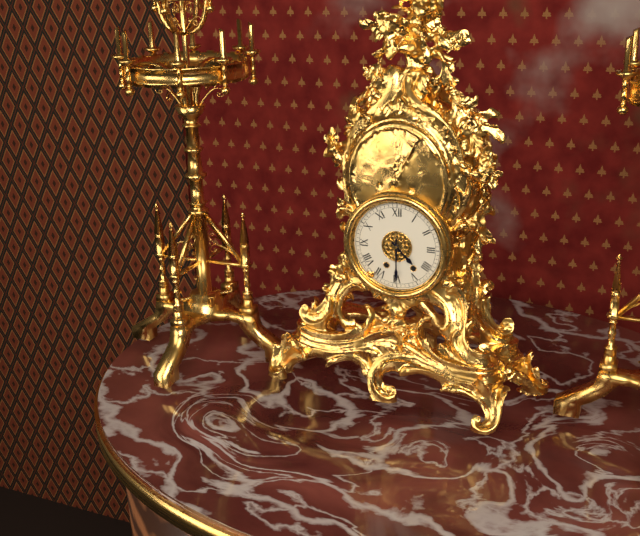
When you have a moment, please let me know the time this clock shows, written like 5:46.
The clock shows 4:30
